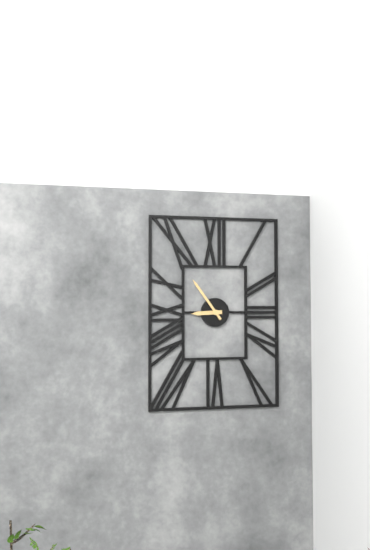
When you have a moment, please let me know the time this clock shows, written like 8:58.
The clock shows 8:54
